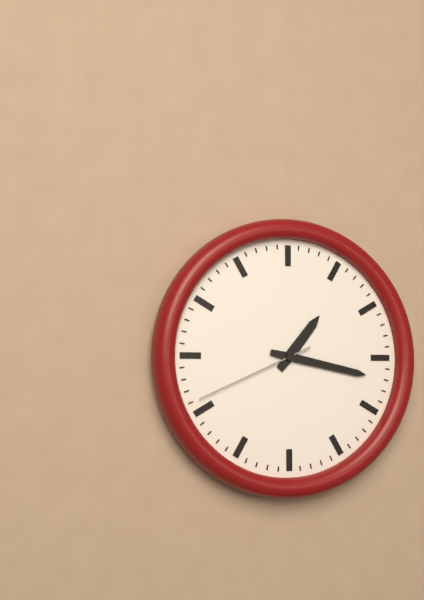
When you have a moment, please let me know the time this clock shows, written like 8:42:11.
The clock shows 1:17:41
